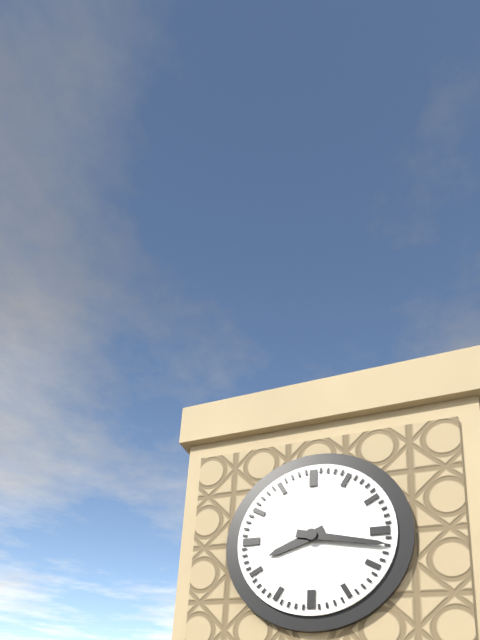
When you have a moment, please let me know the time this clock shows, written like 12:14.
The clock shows 8:17
